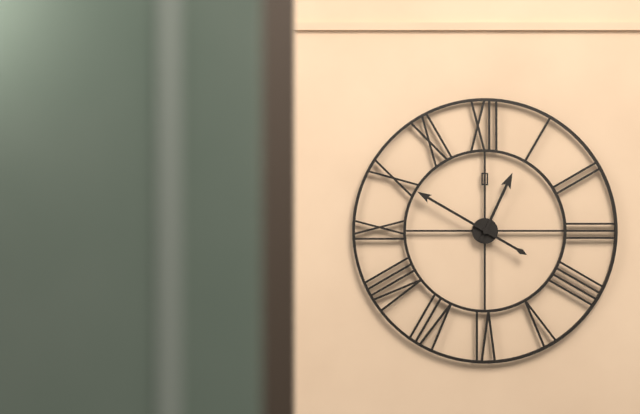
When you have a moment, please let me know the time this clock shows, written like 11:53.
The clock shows 12:50
